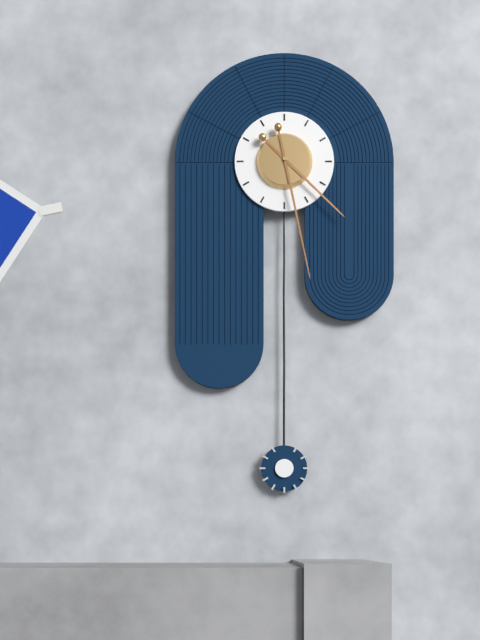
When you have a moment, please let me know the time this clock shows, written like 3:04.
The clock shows 4:28
